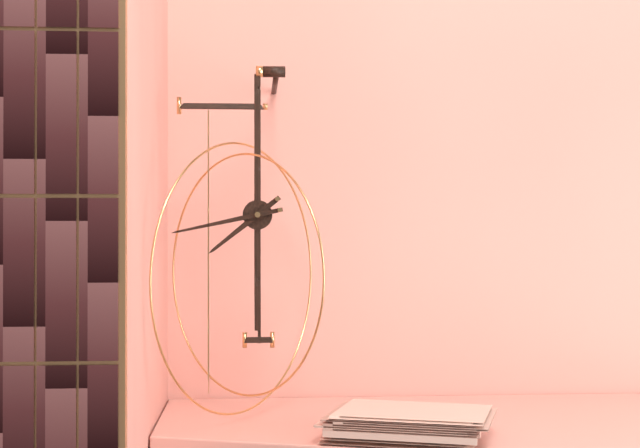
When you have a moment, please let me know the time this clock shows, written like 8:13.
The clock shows 7:43
